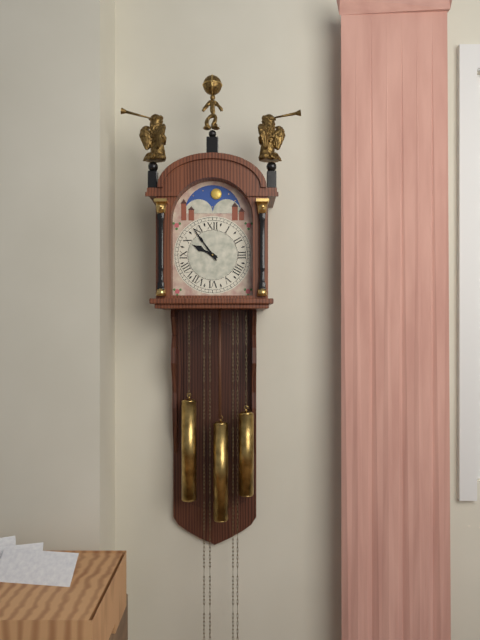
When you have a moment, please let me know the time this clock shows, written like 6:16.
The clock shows 9:54
